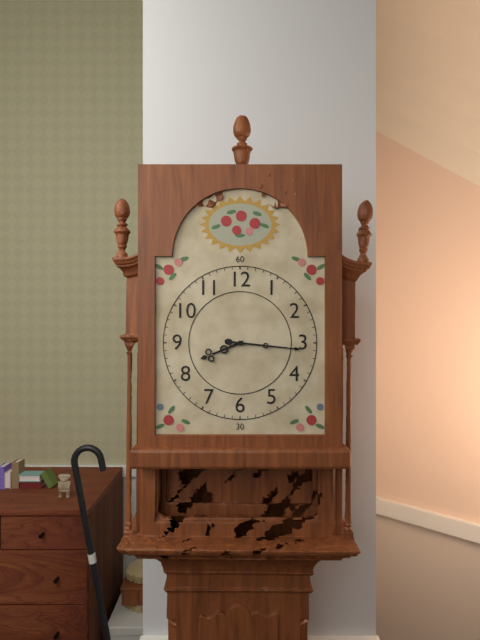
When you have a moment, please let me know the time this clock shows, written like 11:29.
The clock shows 8:16
